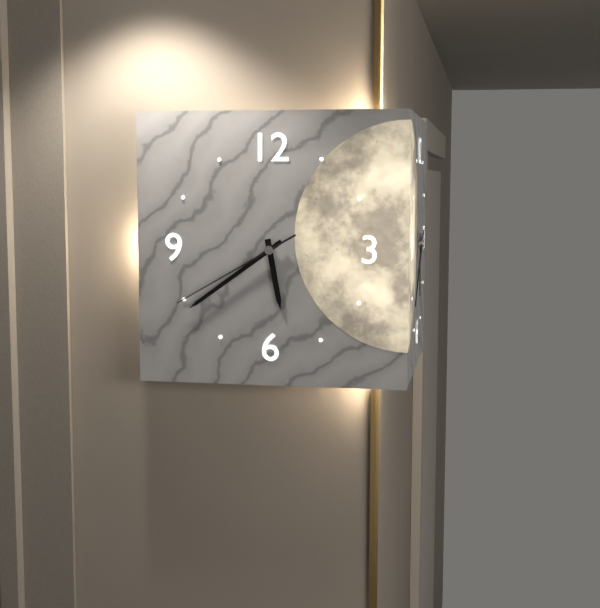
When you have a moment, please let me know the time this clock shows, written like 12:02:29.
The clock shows 5:39:40
